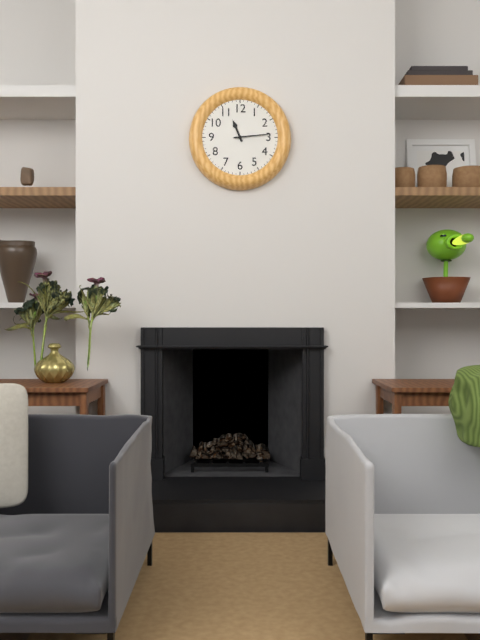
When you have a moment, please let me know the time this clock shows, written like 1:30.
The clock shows 11:14
